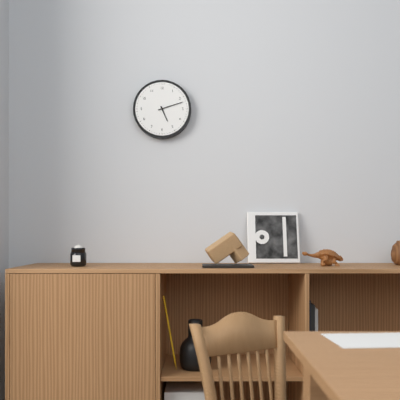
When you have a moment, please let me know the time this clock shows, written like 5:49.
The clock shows 5:12
